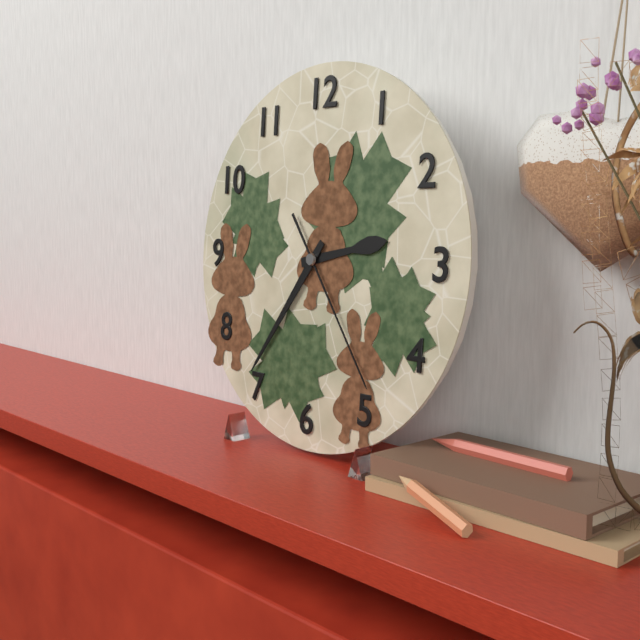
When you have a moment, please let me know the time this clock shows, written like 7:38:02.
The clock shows 2:36:24
